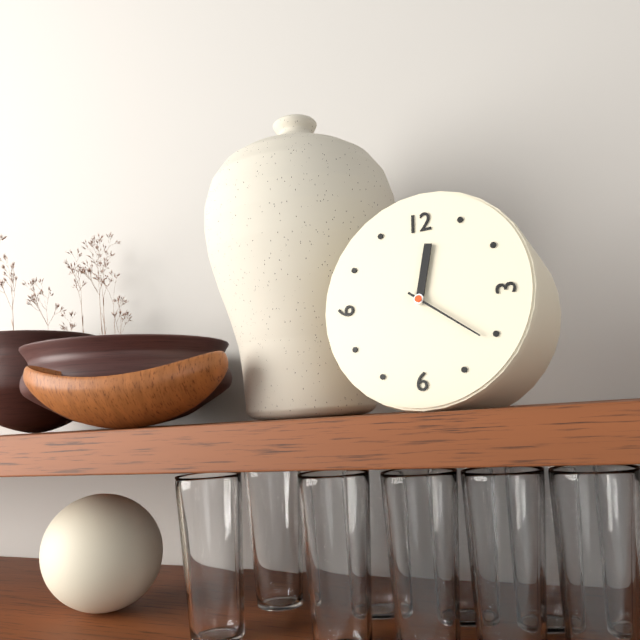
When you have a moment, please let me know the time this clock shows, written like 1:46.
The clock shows 12:21
